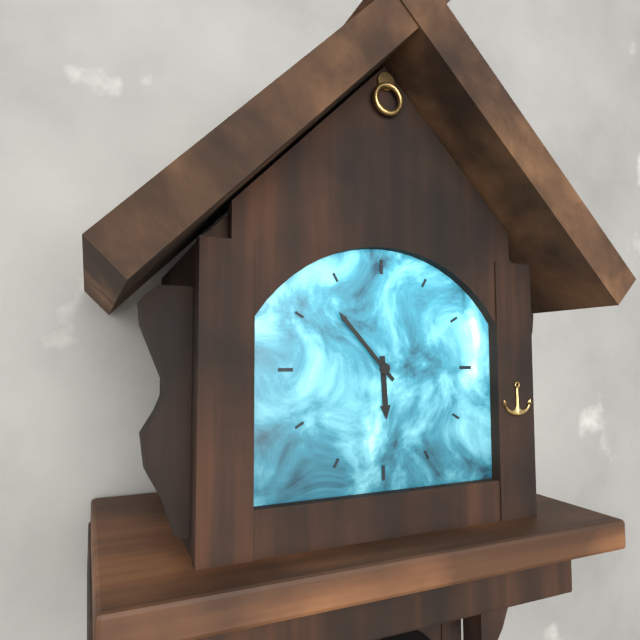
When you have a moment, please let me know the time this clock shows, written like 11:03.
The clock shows 5:53
